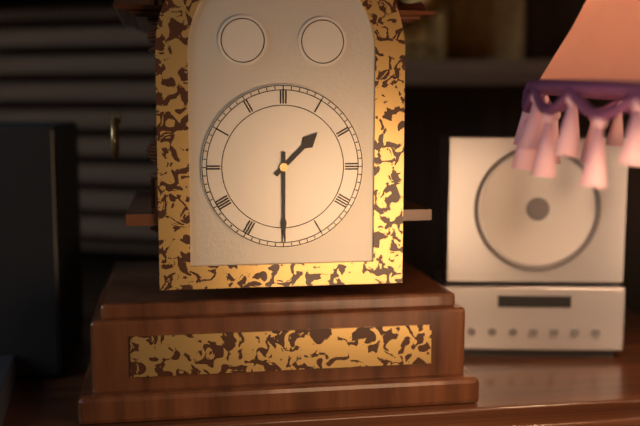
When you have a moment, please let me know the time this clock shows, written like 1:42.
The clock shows 1:30
